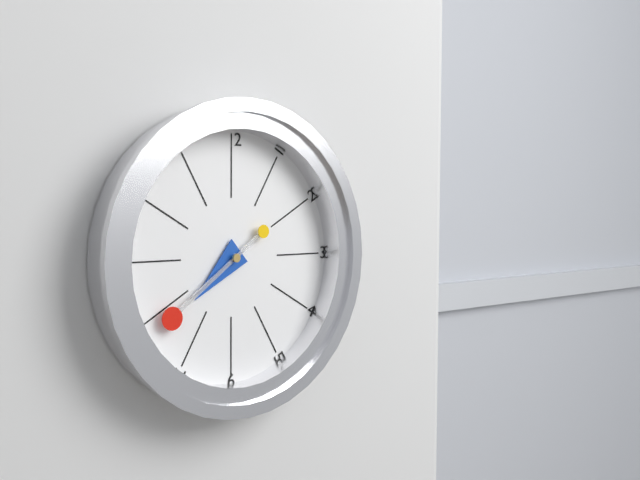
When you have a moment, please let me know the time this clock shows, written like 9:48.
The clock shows 7:39
